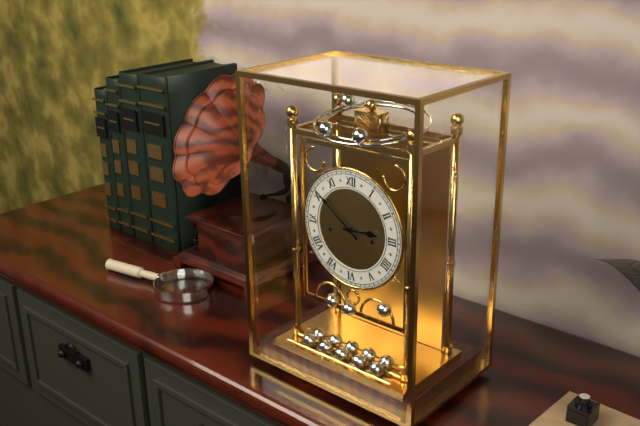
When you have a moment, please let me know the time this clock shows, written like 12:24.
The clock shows 2:51
